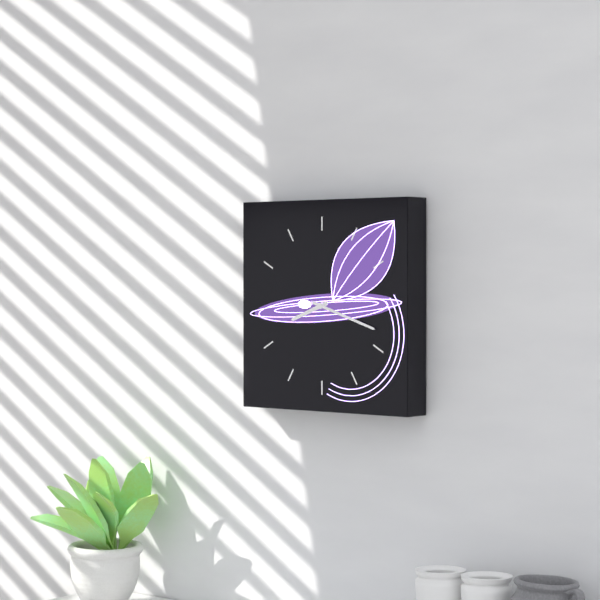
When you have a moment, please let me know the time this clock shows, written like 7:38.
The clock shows 8:18
